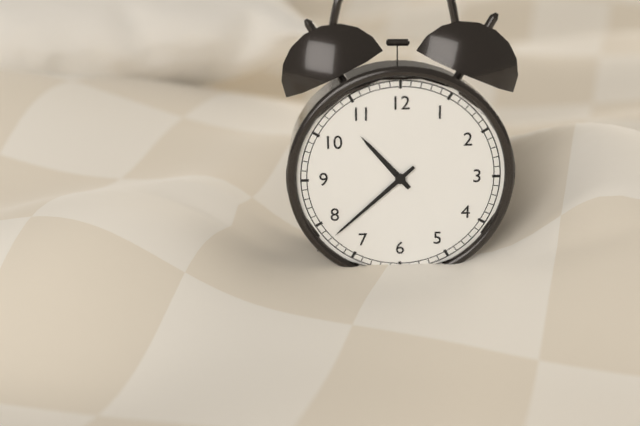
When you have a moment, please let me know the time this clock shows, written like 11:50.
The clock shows 10:38
